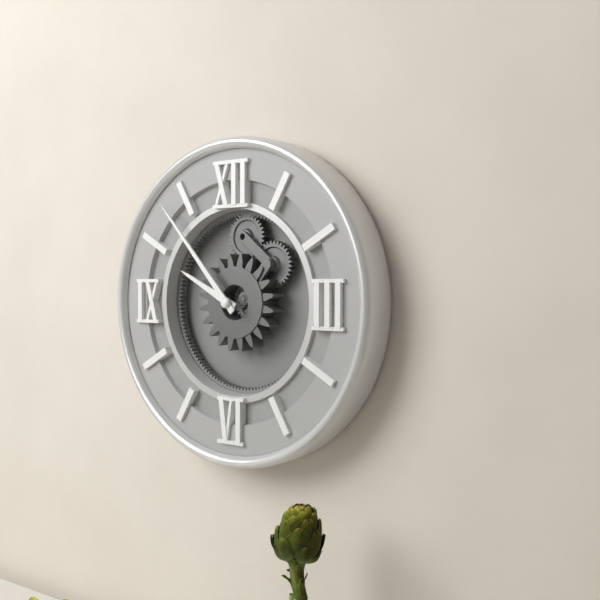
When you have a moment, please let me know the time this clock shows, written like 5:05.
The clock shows 9:53
